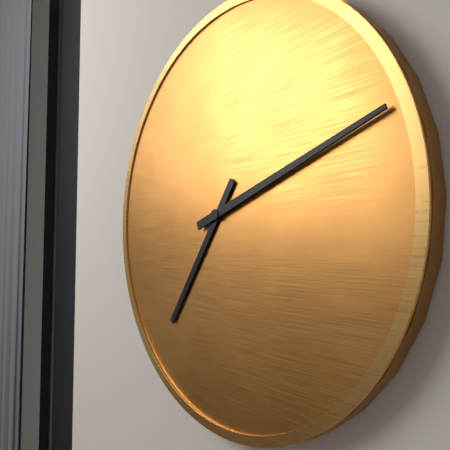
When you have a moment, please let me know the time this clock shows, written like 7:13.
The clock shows 7:12
